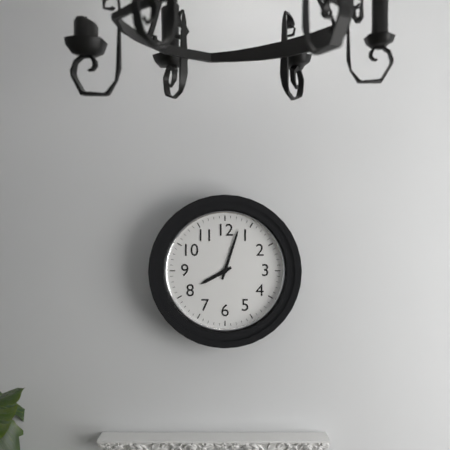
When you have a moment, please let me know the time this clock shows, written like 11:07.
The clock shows 8:03
